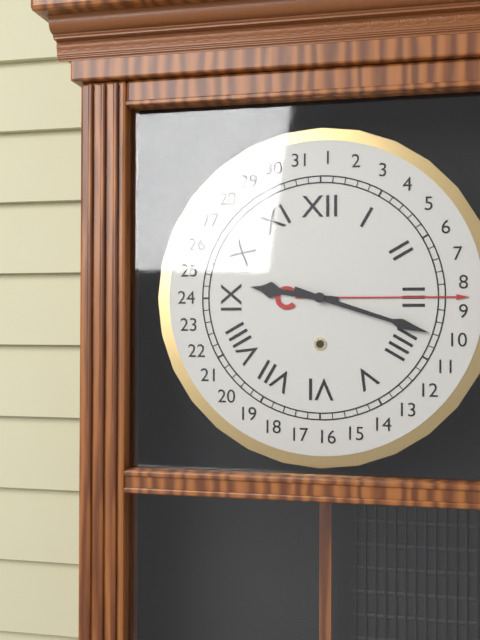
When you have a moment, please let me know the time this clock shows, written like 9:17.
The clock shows 9:18
